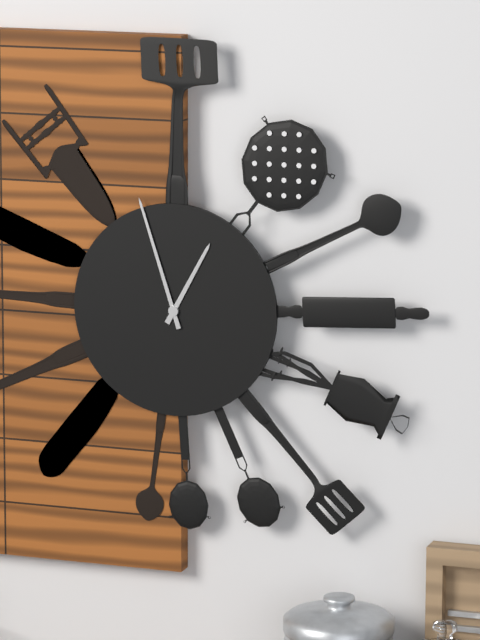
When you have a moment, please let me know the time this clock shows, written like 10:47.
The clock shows 12:57
